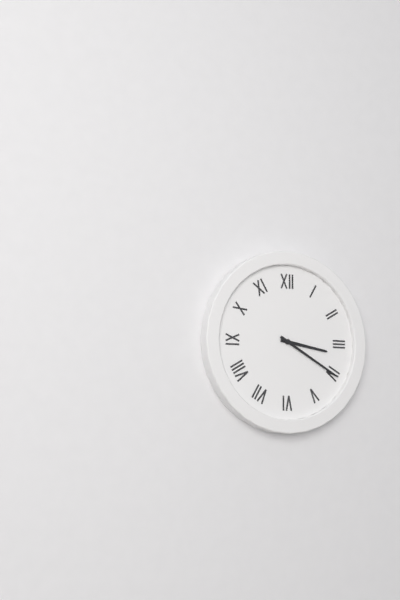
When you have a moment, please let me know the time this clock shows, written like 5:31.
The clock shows 3:20
